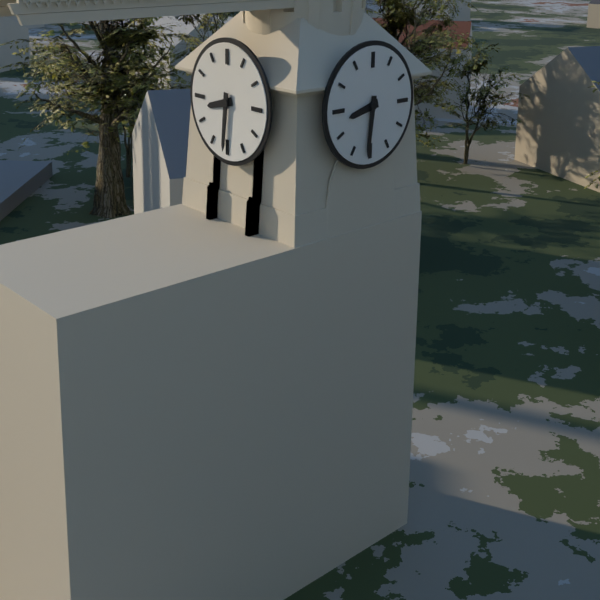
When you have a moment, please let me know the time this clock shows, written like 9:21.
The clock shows 8:31
